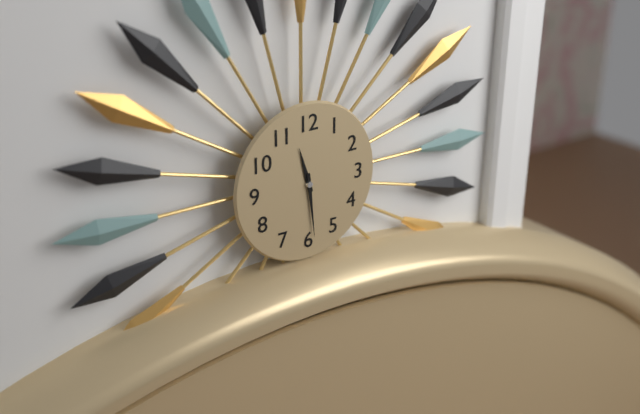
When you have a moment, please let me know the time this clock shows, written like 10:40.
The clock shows 11:29
